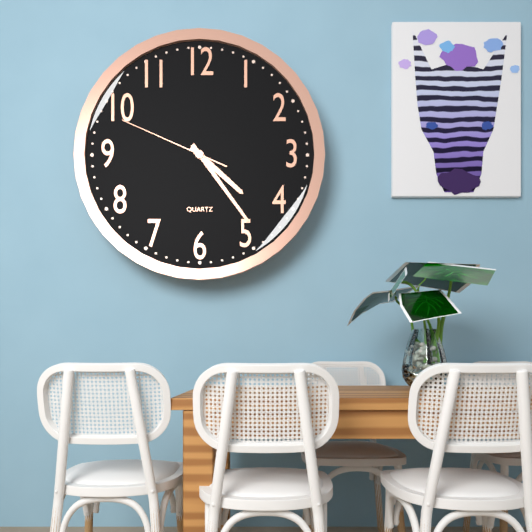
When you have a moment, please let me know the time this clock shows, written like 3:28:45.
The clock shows 4:24:49
